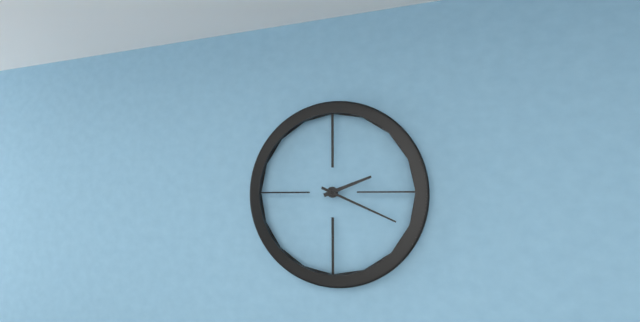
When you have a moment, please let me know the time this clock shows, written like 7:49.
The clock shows 2:19
